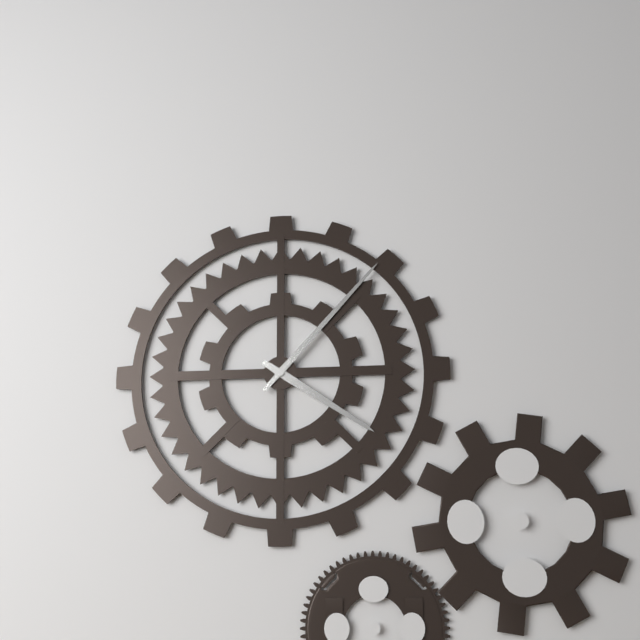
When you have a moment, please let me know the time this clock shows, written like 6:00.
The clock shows 4:07
